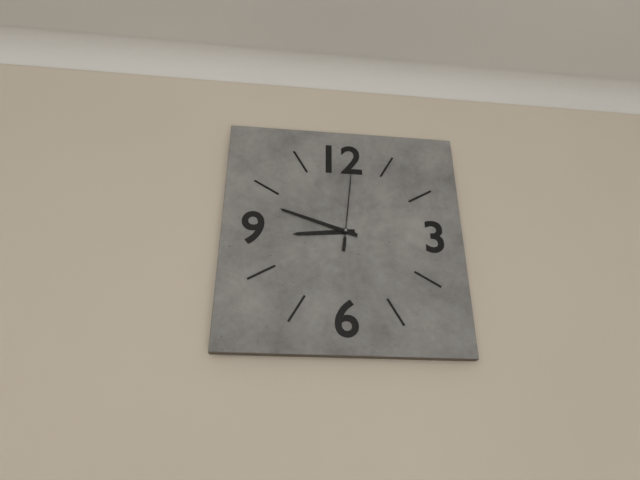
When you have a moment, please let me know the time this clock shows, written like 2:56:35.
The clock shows 8:48:01
